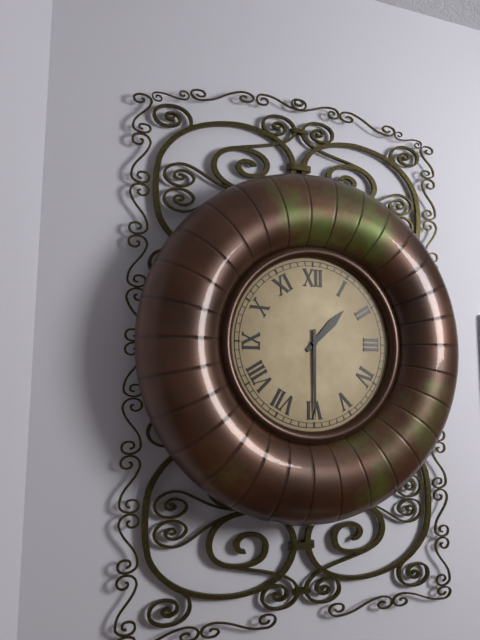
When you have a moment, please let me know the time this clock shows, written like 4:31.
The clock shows 1:30
